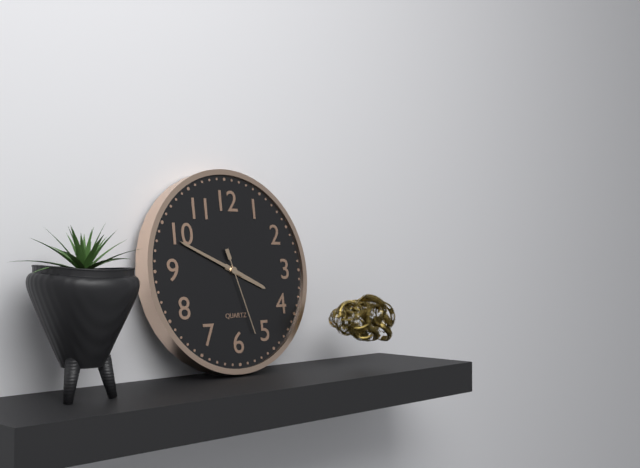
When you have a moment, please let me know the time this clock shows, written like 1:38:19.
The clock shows 3:49:27
